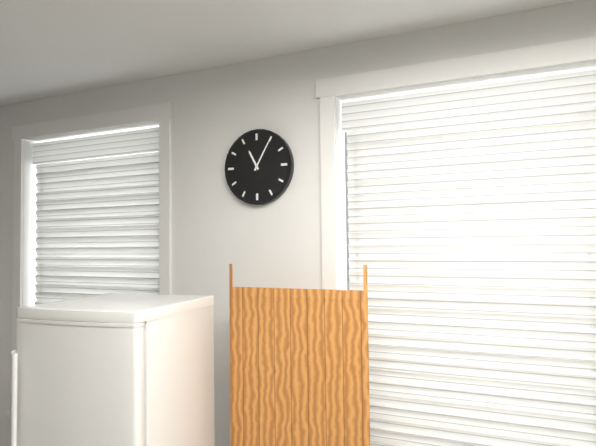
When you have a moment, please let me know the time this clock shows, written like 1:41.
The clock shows 11:05
